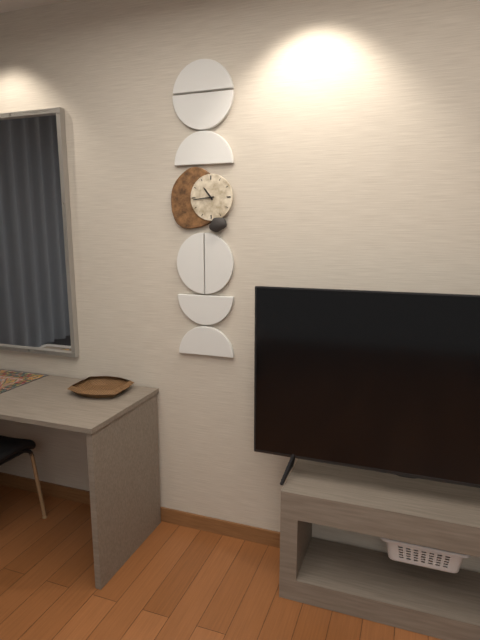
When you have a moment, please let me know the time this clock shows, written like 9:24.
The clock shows 10:44
